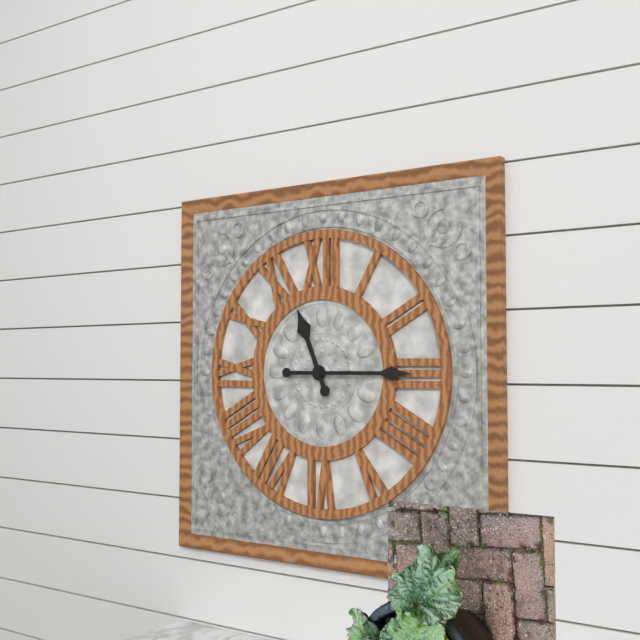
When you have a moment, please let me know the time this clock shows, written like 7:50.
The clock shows 11:15
